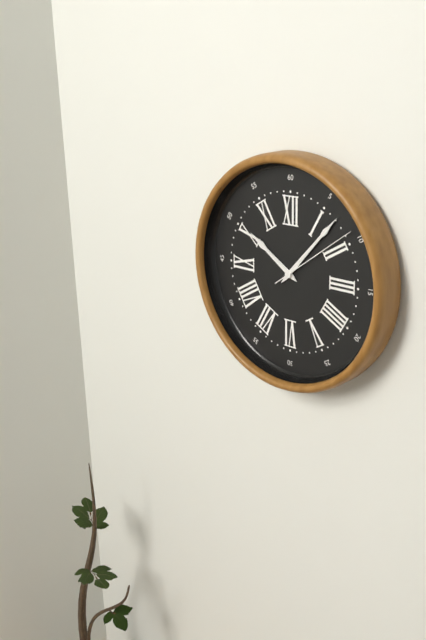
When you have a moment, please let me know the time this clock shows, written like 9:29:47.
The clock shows 10:07:09
